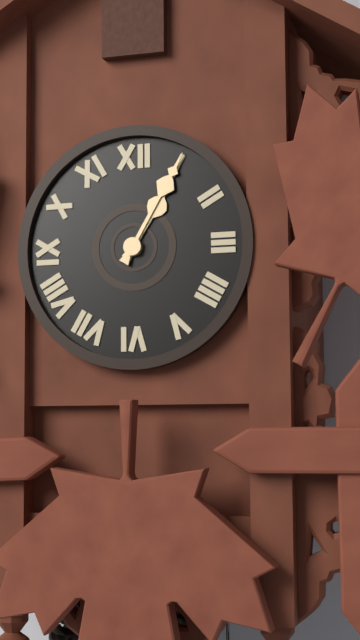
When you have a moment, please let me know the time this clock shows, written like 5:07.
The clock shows 1:05
